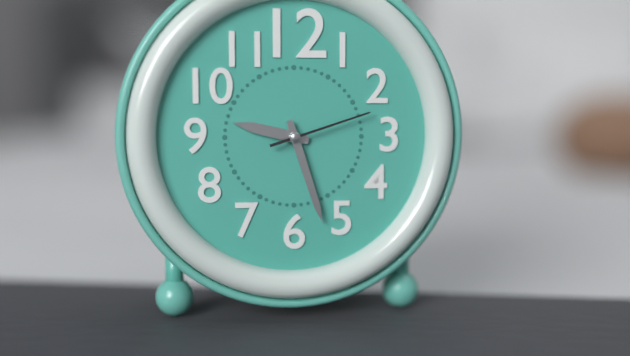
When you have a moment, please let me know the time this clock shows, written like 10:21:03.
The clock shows 9:27:12
